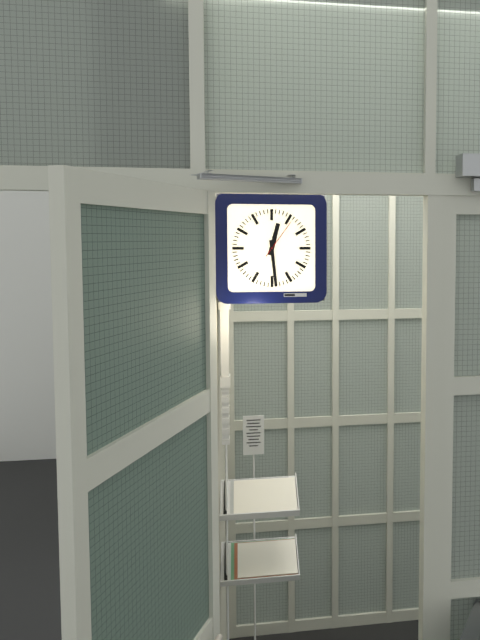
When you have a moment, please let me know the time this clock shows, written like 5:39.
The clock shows 12:29
